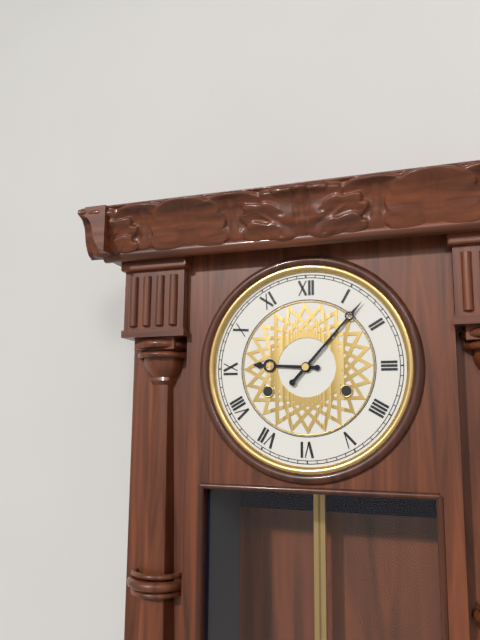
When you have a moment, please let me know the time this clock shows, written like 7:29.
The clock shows 9:07
